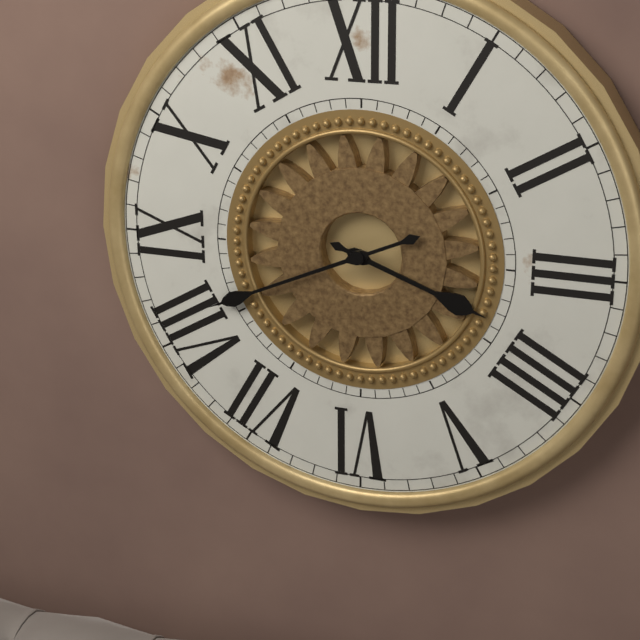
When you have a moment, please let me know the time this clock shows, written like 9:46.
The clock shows 3:41
